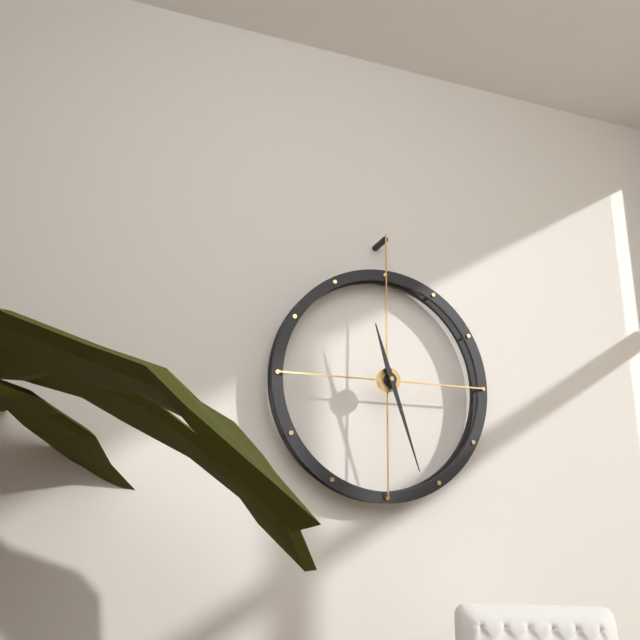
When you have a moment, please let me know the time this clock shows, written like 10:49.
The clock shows 11:27
